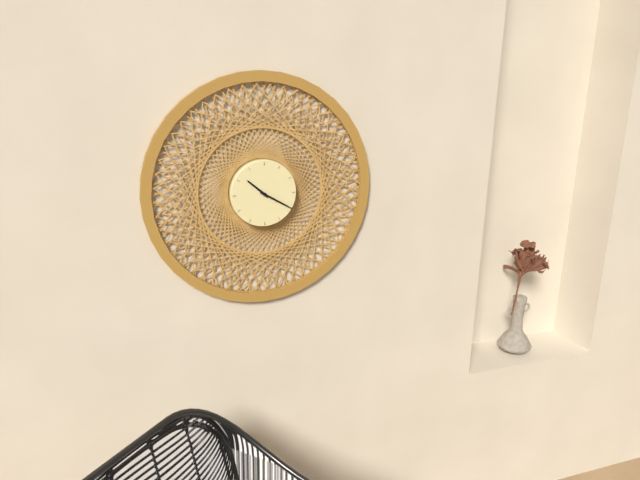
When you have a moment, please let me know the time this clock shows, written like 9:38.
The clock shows 10:20
